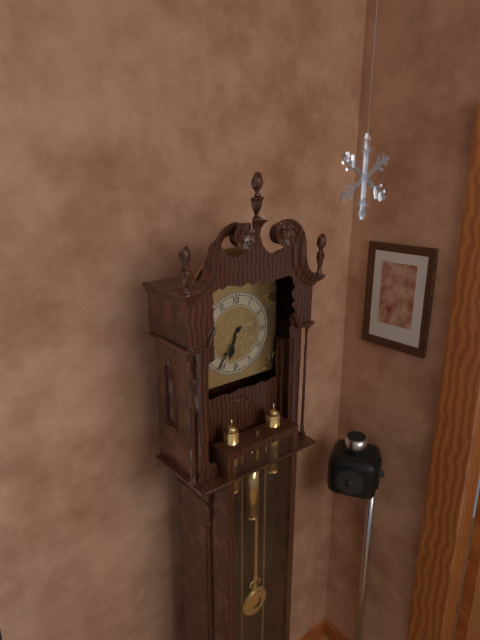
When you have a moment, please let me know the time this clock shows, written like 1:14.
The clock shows 6:36
